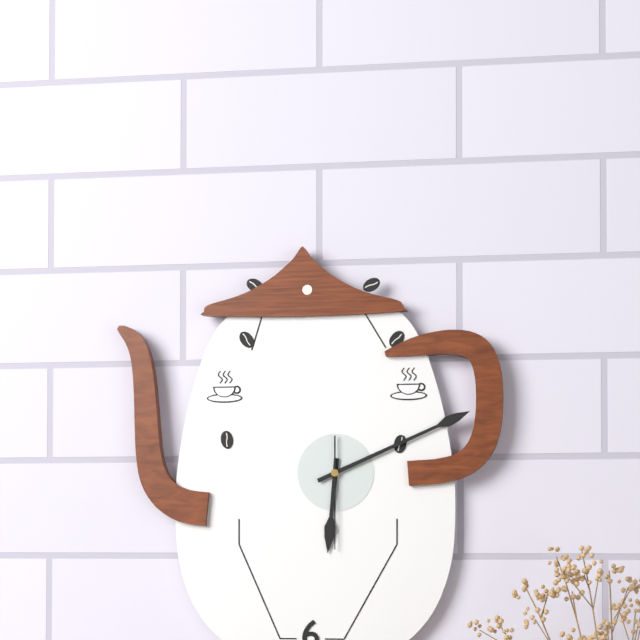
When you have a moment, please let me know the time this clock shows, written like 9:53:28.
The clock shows 6:11:30
